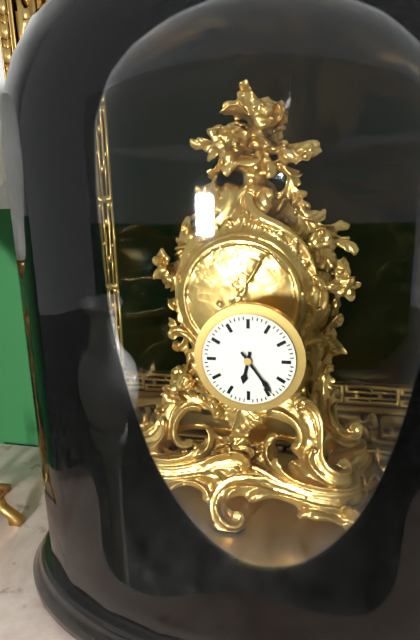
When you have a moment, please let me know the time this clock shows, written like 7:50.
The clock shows 6:24
